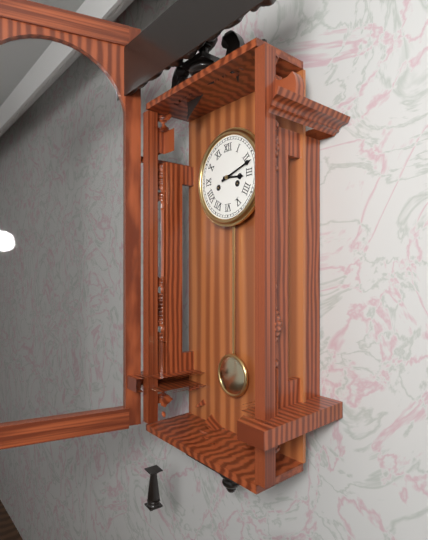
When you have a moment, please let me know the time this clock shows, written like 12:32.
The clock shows 3:12
